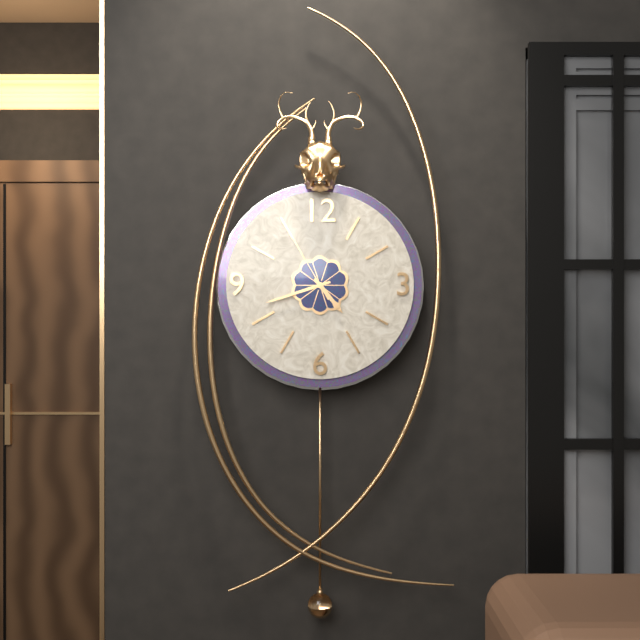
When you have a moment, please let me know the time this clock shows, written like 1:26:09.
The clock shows 4:42:55
